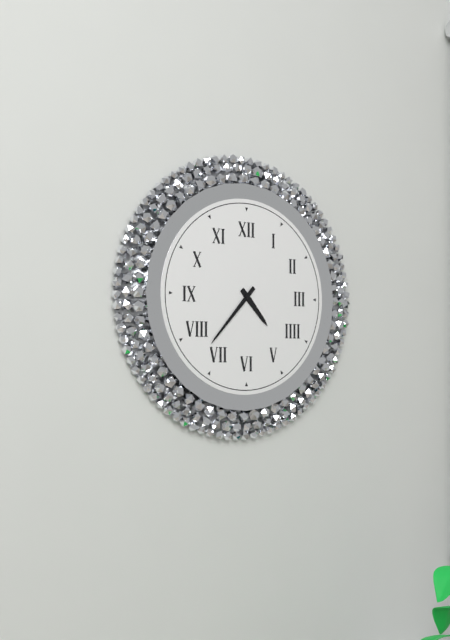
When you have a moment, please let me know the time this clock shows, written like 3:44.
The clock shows 4:37
